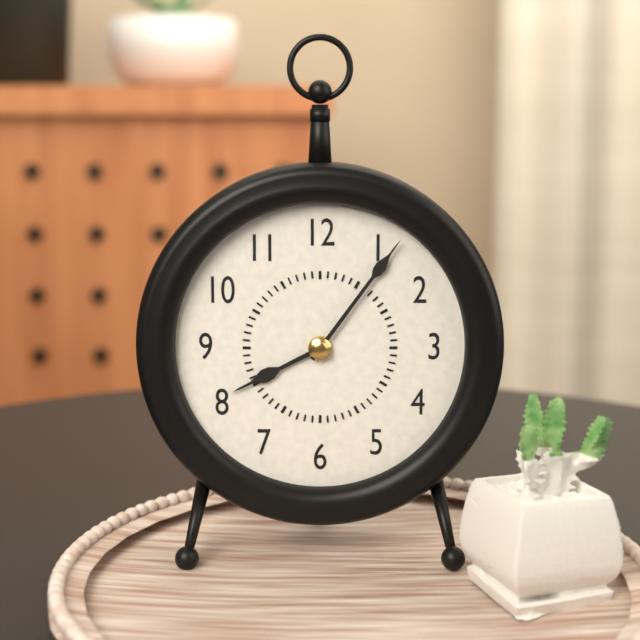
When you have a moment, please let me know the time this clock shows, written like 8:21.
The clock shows 8:06
